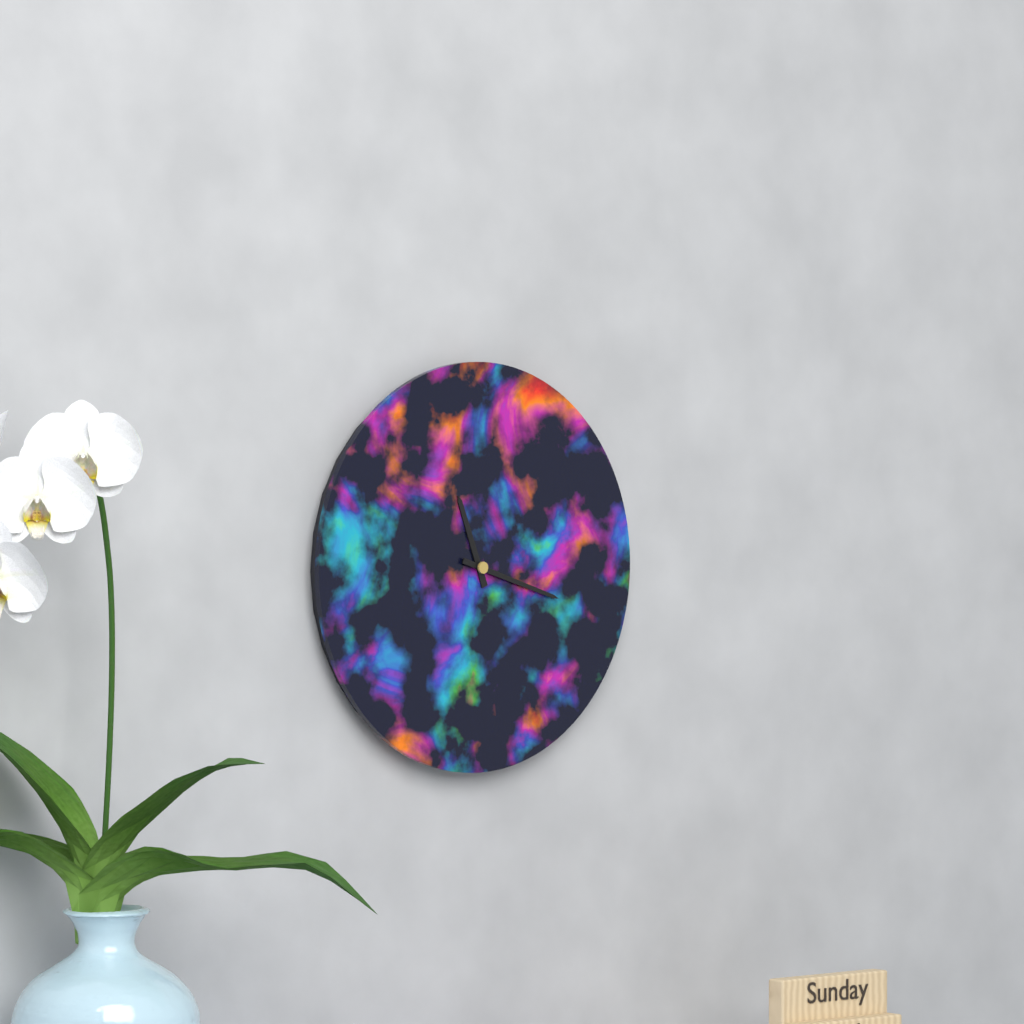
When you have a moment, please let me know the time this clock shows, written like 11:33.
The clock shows 11:18
